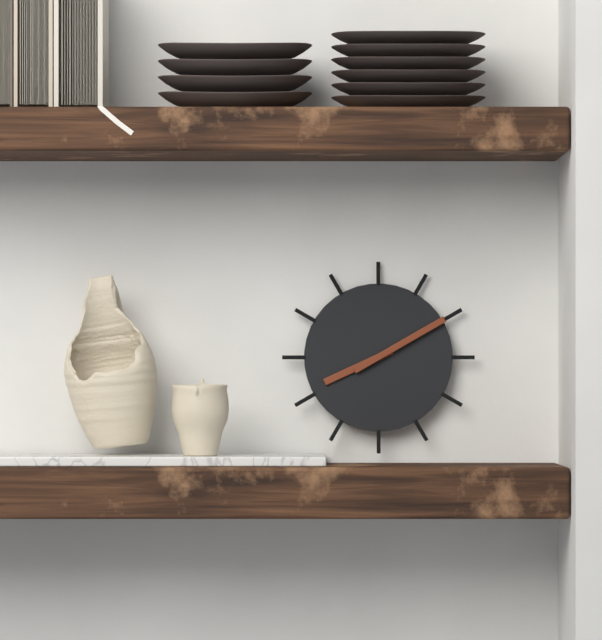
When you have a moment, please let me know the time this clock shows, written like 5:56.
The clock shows 8:10
